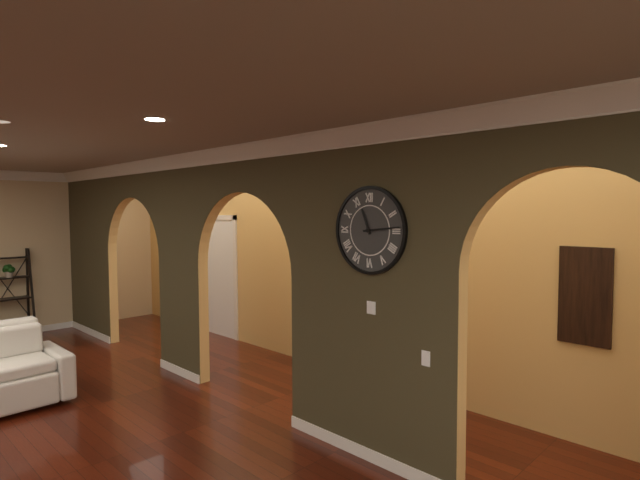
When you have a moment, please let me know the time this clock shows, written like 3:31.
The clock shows 11:14
